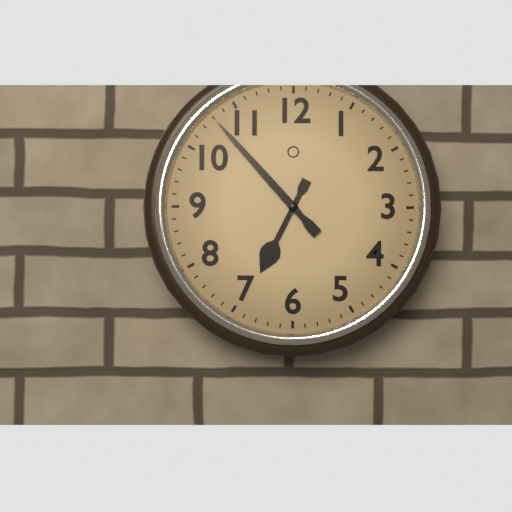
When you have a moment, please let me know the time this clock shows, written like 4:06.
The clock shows 6:53
